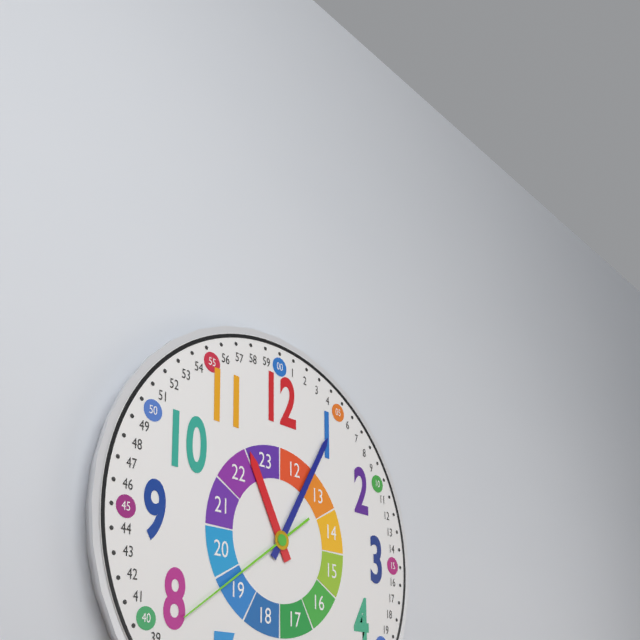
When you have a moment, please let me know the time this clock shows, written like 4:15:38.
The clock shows 11:05:39
